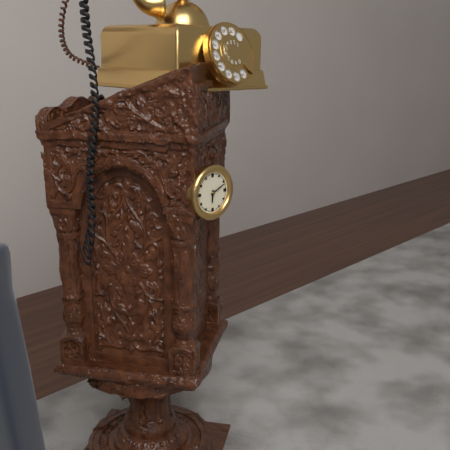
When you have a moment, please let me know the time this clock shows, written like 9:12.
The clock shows 6:11
